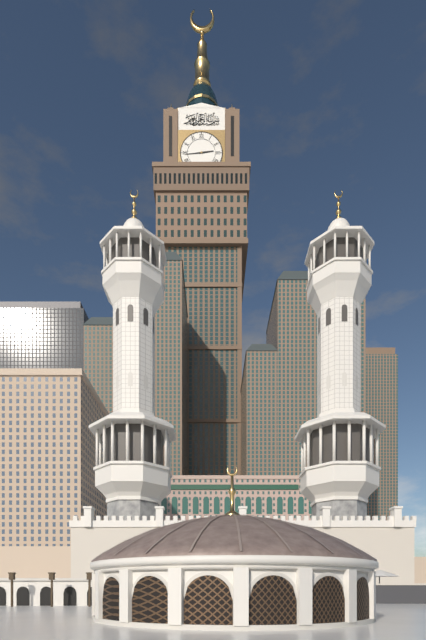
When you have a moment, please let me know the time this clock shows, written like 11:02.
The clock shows 2:44
